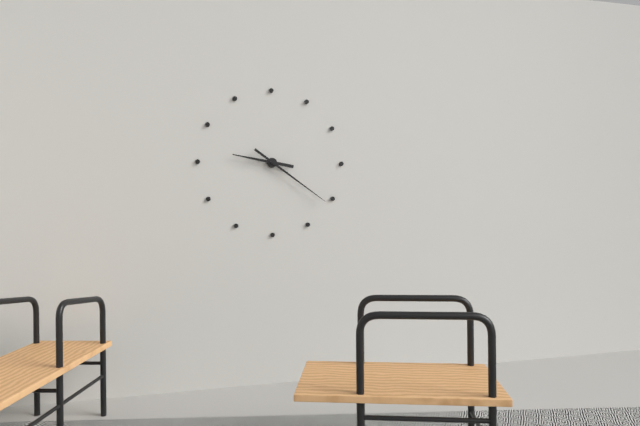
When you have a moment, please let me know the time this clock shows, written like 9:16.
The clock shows 9:21
